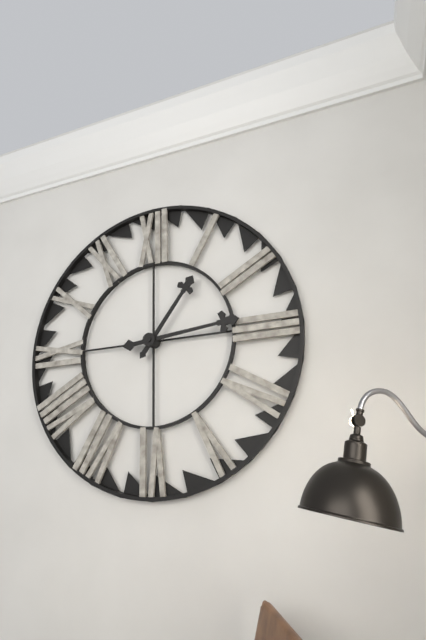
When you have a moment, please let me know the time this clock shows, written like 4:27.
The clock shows 1:14
